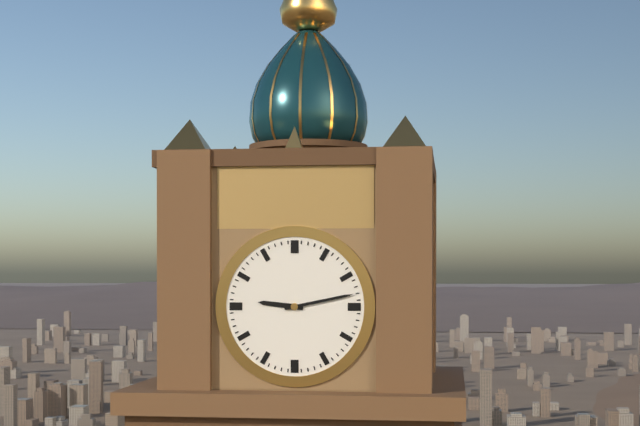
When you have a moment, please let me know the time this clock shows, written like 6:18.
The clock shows 9:13
